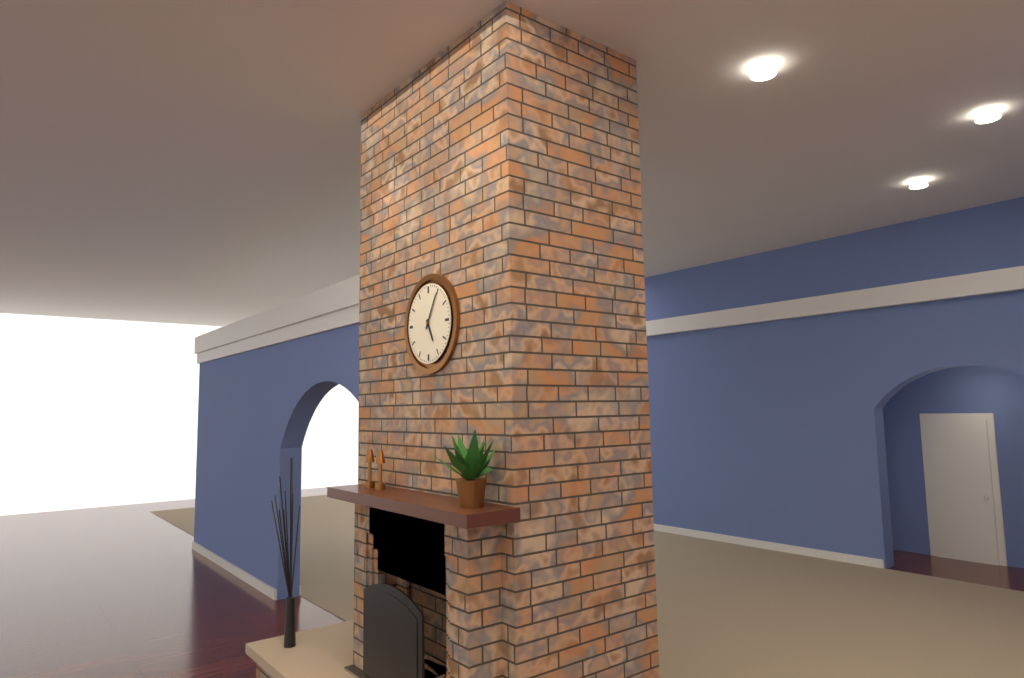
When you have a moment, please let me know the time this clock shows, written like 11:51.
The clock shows 5:05
